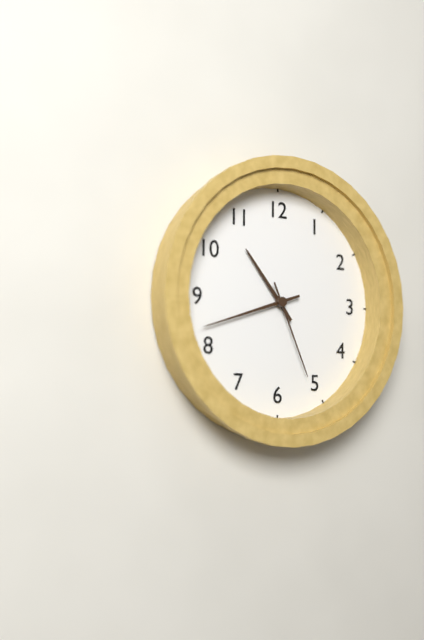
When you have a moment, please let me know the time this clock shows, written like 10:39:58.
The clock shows 10:42:26
